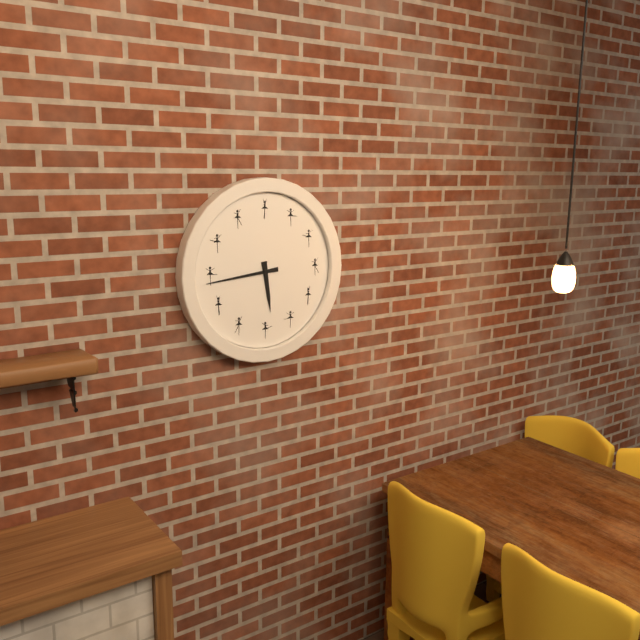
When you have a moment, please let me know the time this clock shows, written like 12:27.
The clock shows 5:44
